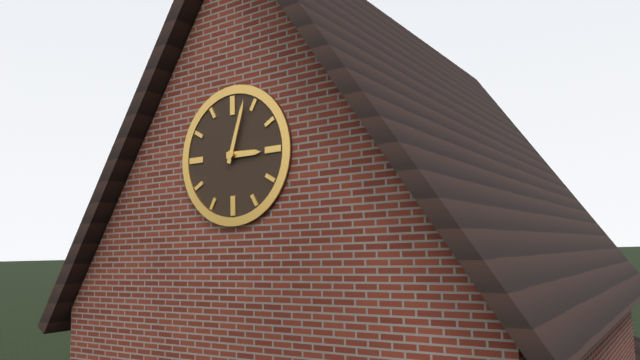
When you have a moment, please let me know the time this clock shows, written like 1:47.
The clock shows 3:03
